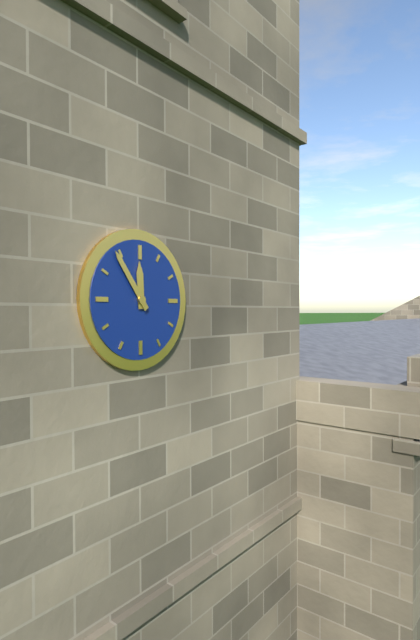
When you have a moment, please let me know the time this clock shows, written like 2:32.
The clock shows 11:54
